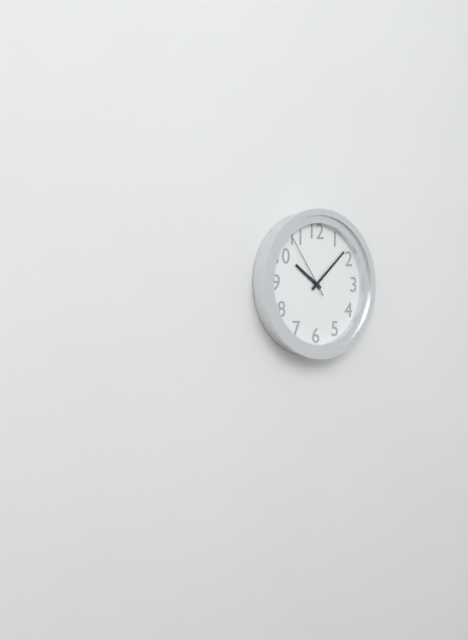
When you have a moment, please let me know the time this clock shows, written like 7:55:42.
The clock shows 10:08:54
